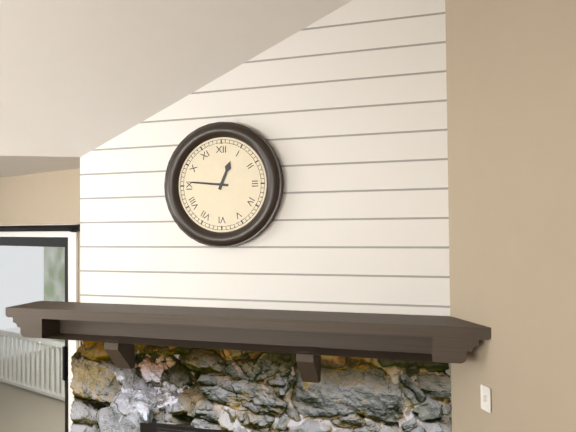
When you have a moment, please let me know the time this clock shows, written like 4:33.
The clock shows 12:46
